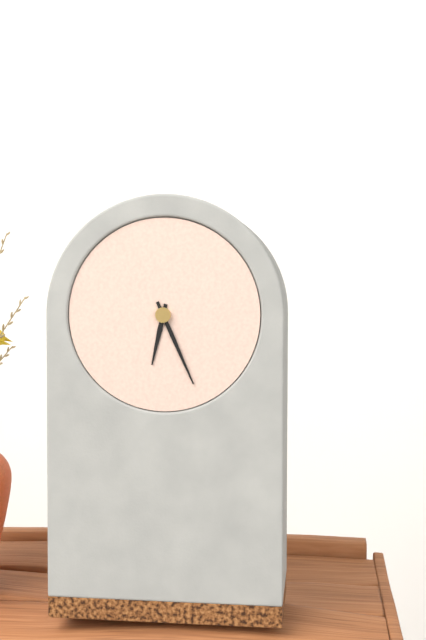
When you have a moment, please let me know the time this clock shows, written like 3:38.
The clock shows 6:26
